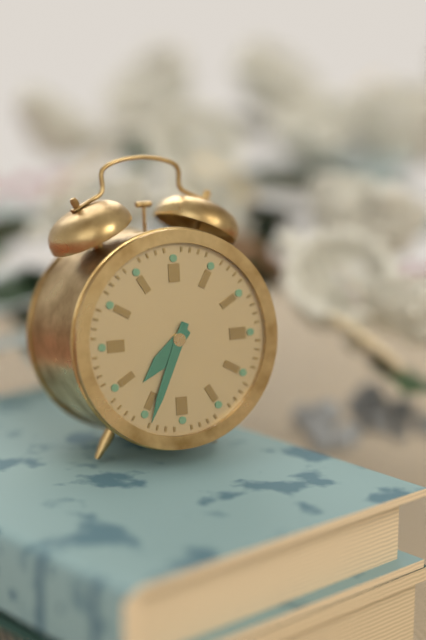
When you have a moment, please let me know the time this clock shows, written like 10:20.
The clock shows 7:34
